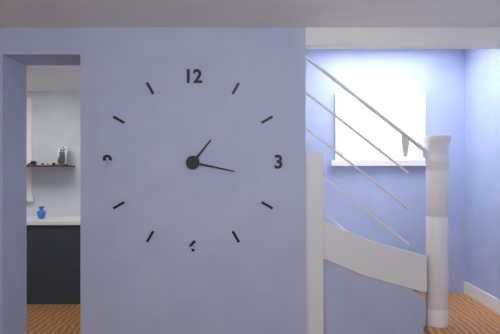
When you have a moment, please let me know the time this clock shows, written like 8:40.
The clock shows 1:17
